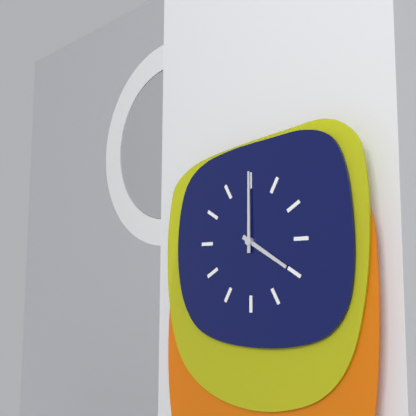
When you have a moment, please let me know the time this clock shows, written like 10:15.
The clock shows 4:00
